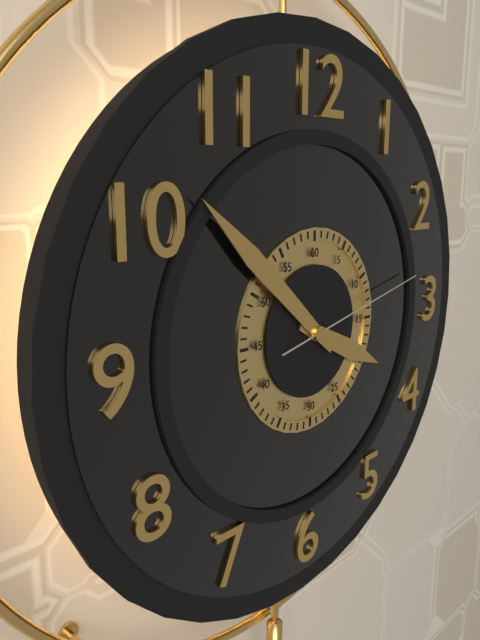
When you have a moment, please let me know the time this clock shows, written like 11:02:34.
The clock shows 3:52:13
